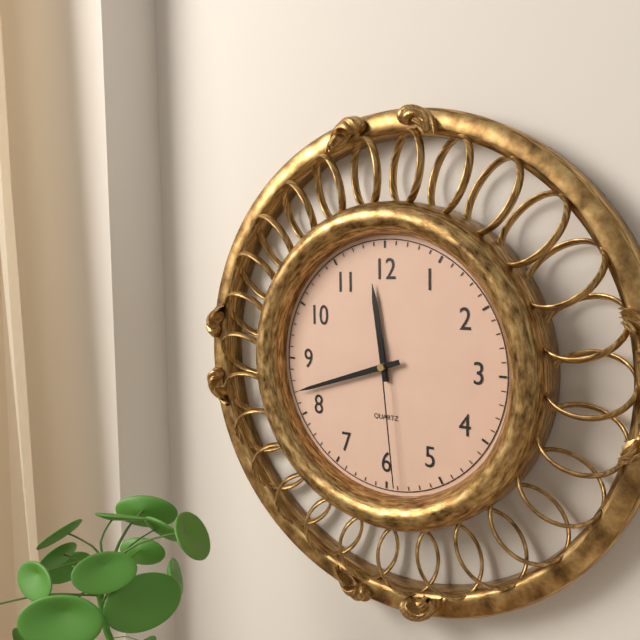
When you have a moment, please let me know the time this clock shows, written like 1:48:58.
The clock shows 11:42:29
